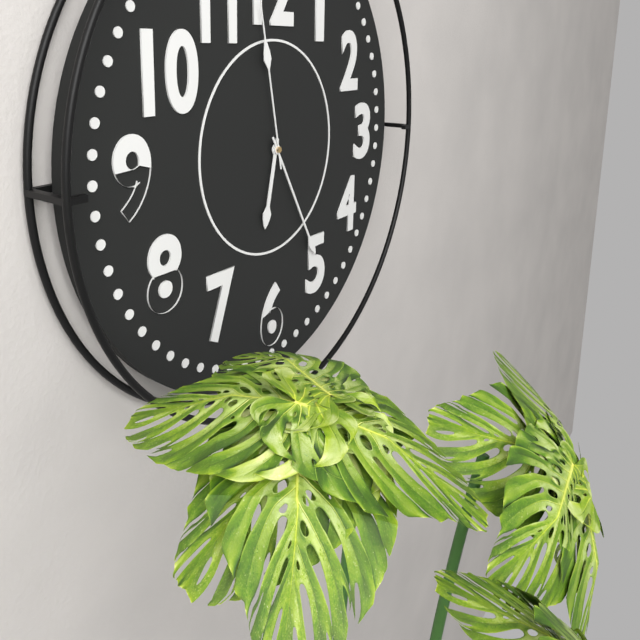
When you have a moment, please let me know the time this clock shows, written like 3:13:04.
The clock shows 6:25:58
